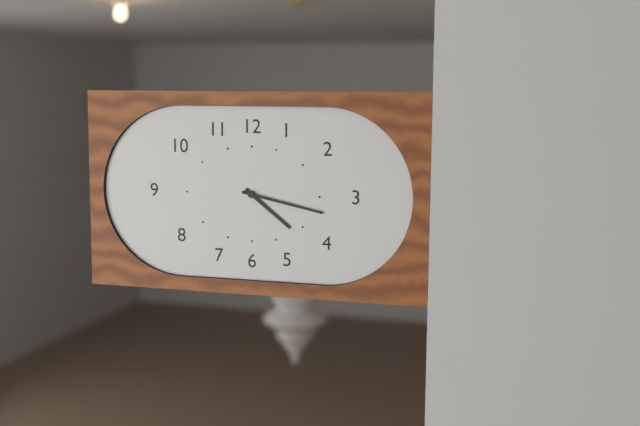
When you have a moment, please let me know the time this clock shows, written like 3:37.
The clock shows 4:17
